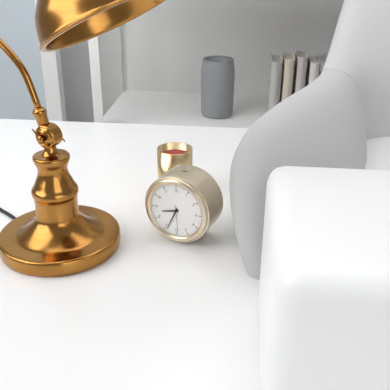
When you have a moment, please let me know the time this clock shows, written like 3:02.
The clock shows 8:34
